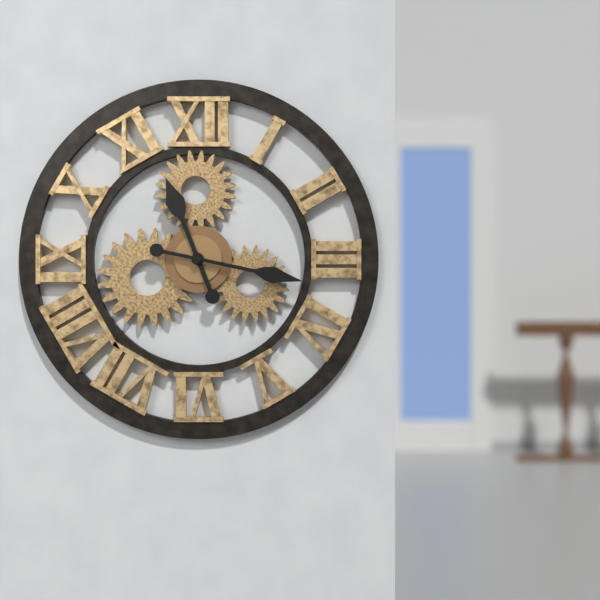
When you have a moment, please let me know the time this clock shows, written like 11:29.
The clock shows 11:17
